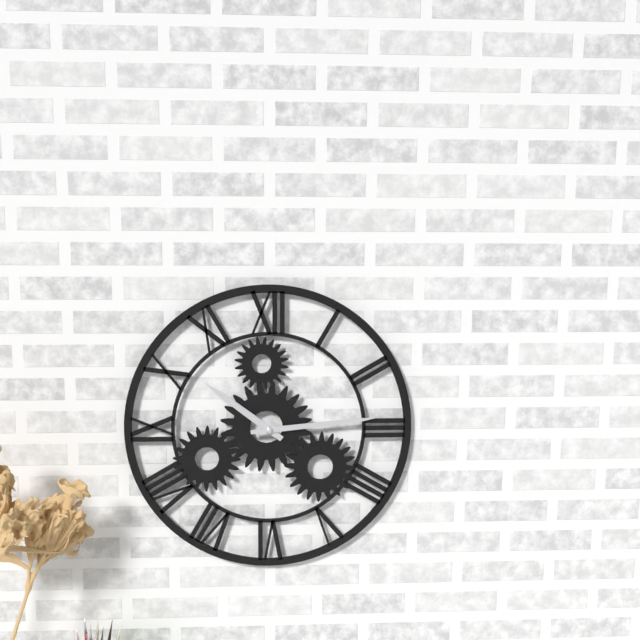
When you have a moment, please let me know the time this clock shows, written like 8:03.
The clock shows 10:14
